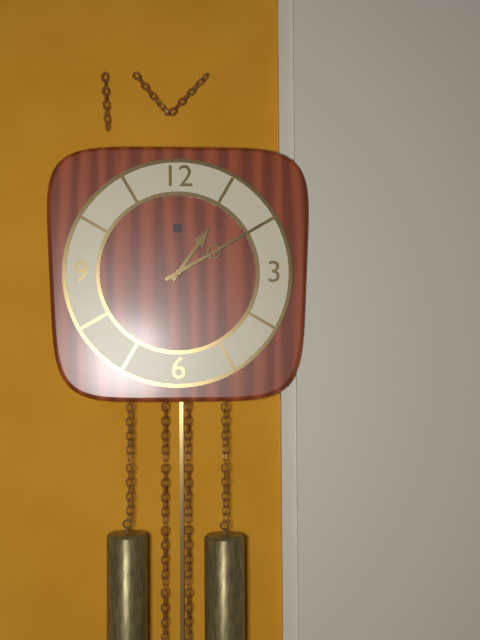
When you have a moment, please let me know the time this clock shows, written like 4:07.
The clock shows 1:10
